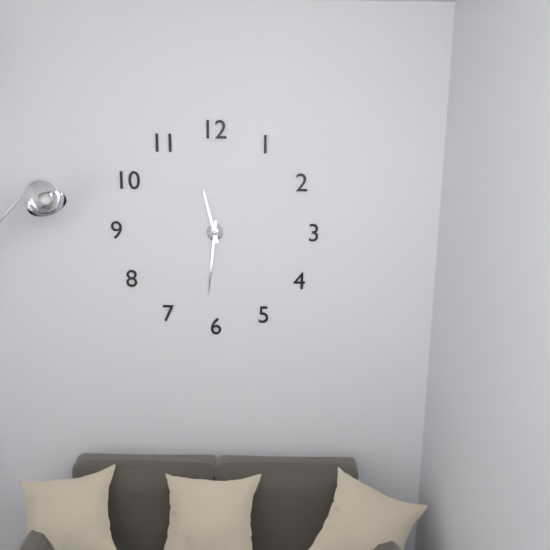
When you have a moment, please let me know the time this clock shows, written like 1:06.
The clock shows 11:31
